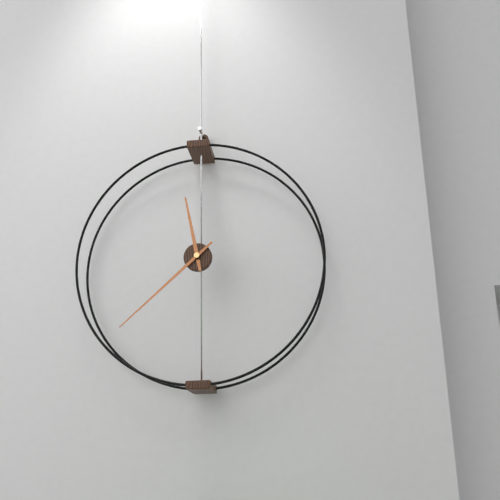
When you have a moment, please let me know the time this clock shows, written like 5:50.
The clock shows 11:38
